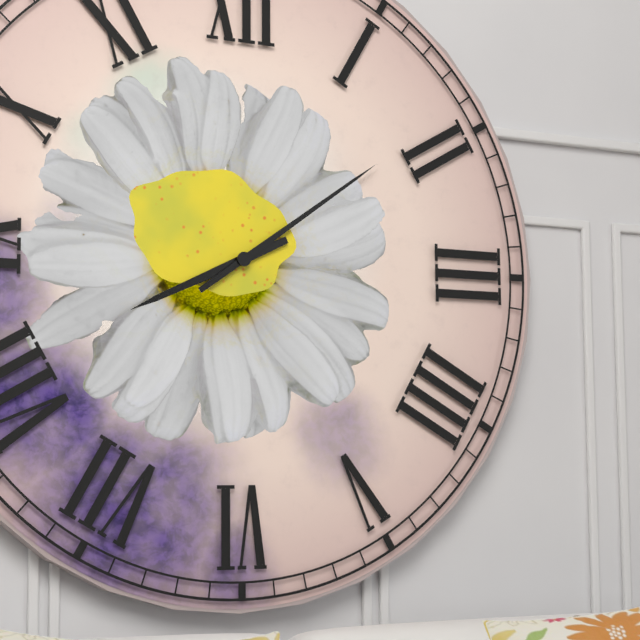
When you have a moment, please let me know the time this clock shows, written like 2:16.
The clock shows 8:09
